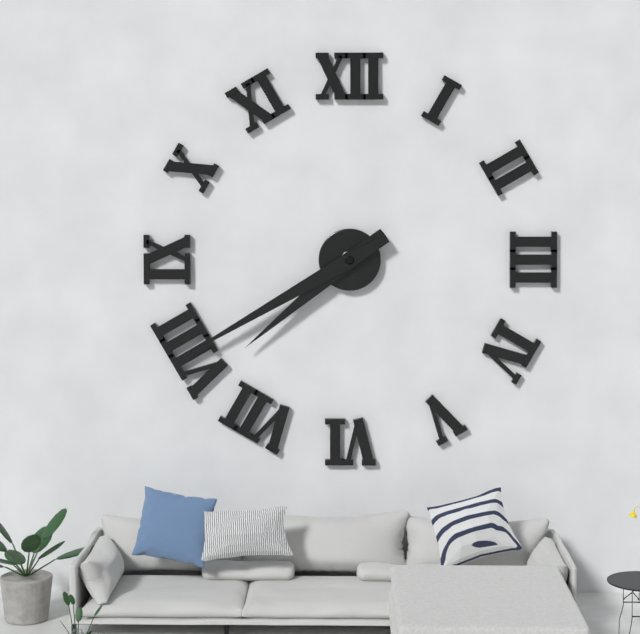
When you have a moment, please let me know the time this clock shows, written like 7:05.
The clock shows 7:40
